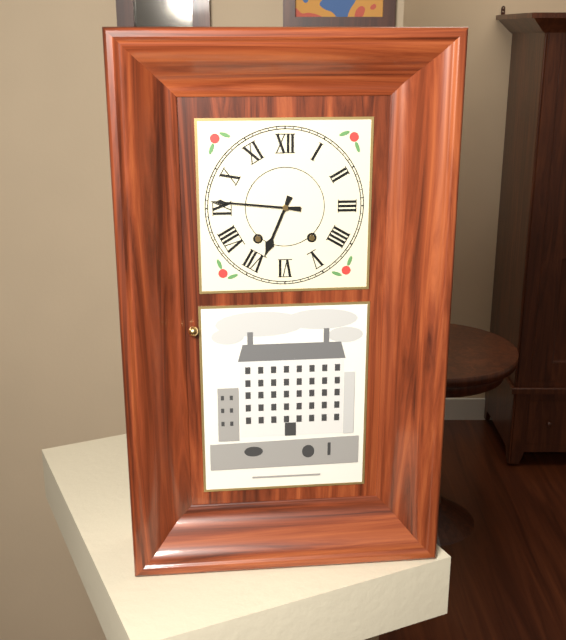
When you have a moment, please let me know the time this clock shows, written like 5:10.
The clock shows 6:46
